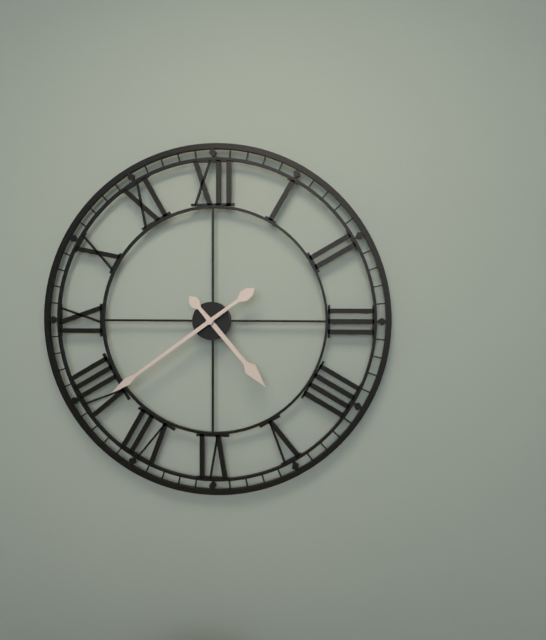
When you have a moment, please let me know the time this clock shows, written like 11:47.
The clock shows 4:39
